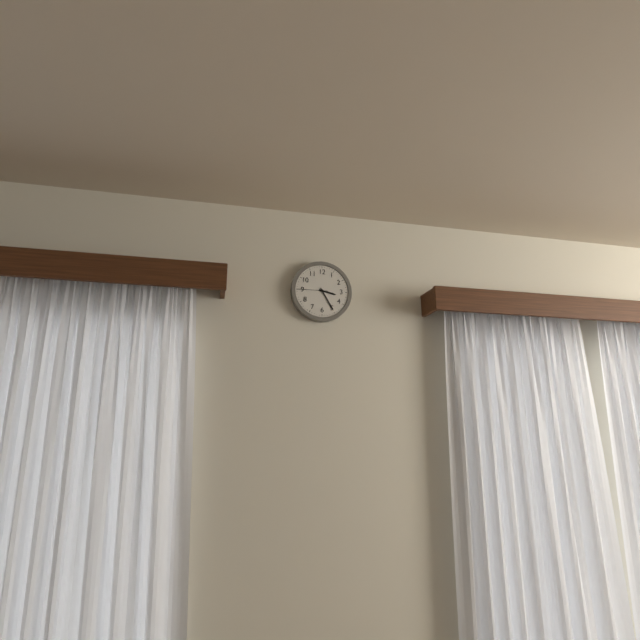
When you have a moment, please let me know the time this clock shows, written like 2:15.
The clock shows 3:25
